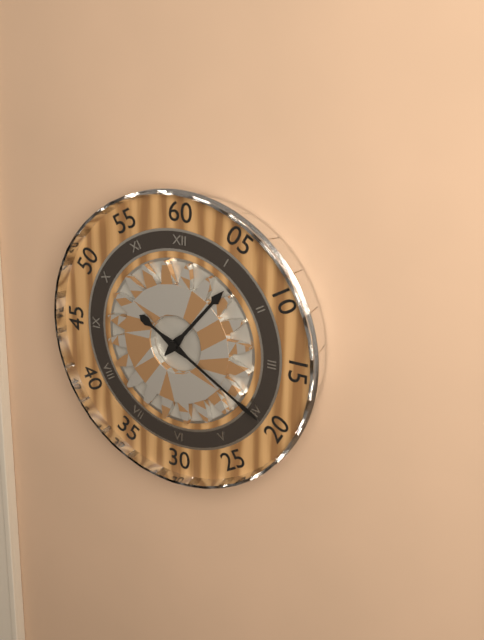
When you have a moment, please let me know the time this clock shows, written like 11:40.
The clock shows 1:20
